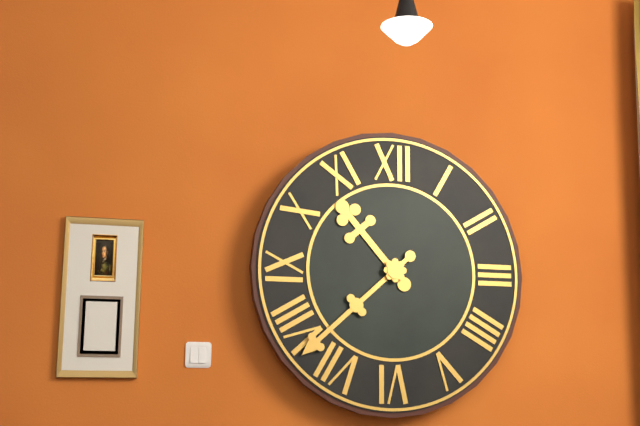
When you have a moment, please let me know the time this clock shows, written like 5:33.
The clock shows 10:38
